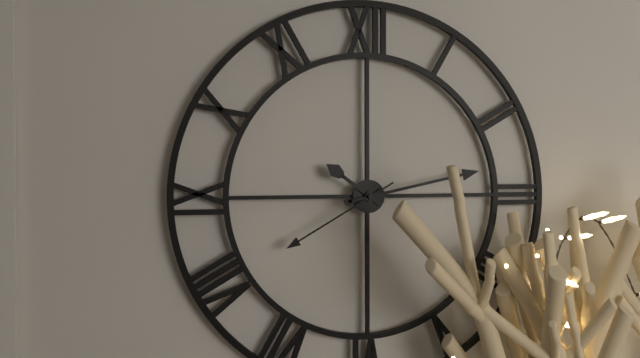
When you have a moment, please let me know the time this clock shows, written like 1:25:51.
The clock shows 10:13:40
